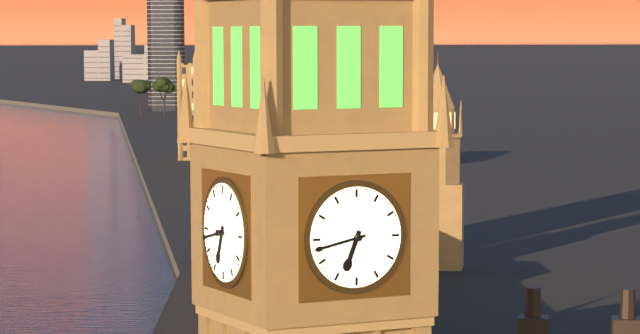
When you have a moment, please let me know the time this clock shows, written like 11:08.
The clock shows 6:43
